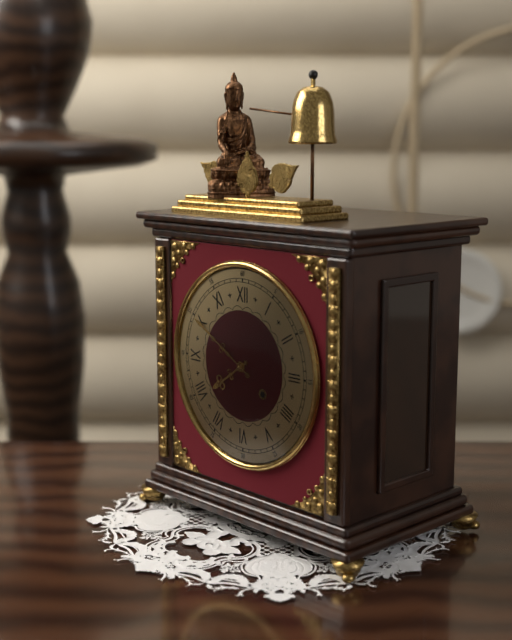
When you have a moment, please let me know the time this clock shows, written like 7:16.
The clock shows 7:50
